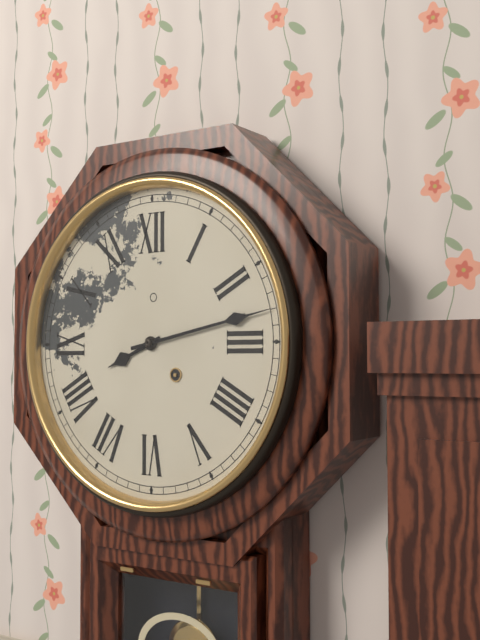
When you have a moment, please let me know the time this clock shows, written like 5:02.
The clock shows 8:13
